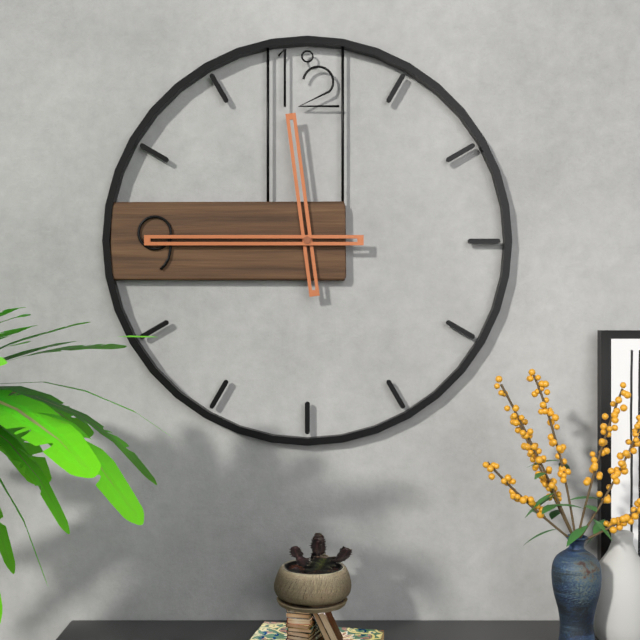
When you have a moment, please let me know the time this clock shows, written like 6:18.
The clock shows 11:45
